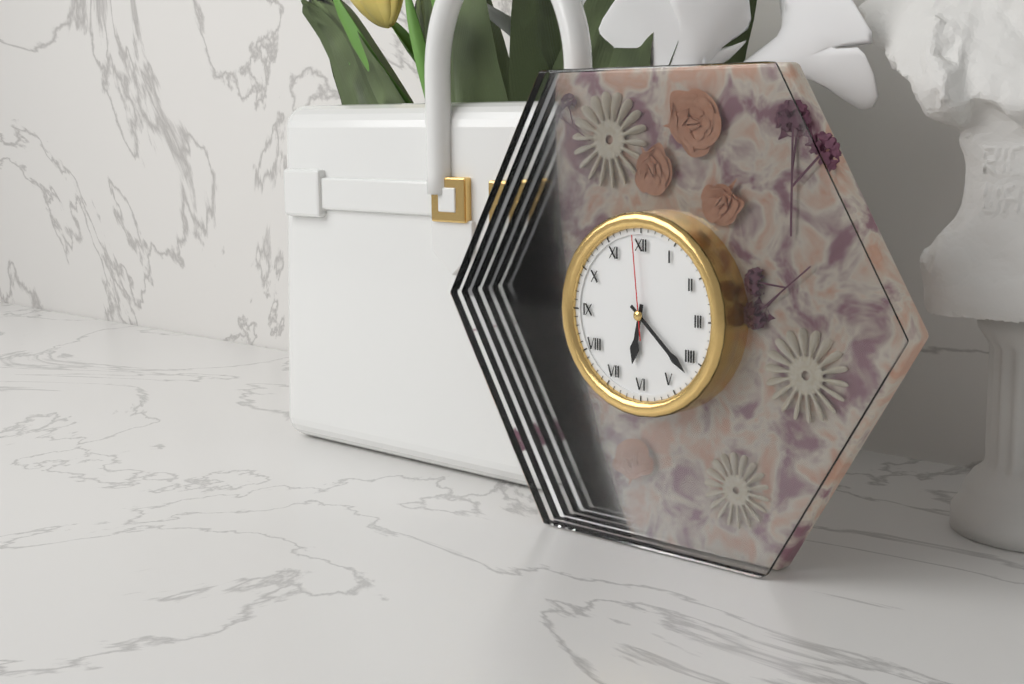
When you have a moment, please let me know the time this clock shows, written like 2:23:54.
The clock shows 6:22:59
